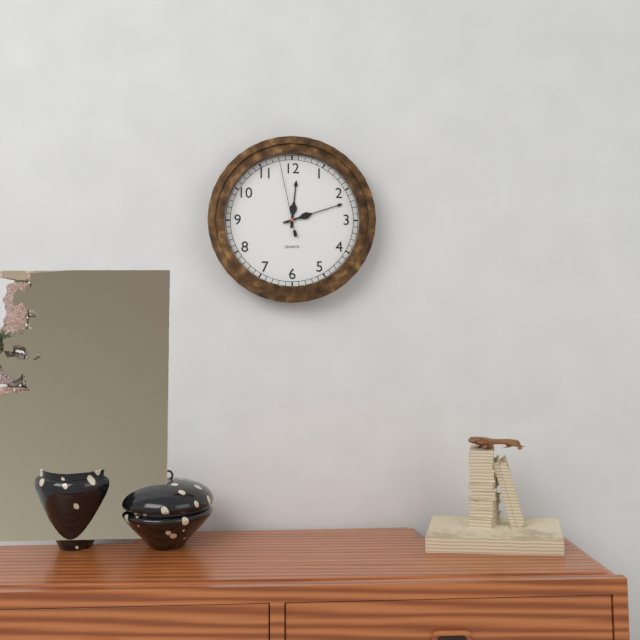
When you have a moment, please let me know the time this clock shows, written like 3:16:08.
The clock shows 12:12:58
